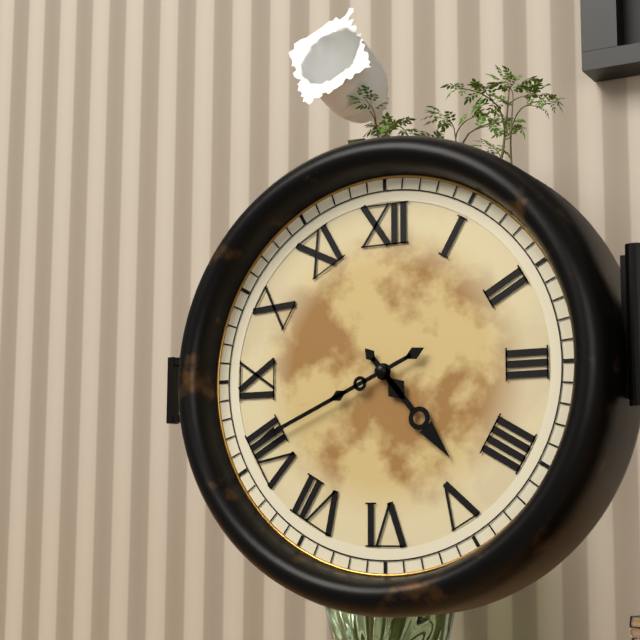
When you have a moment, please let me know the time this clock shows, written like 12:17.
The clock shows 4:41
